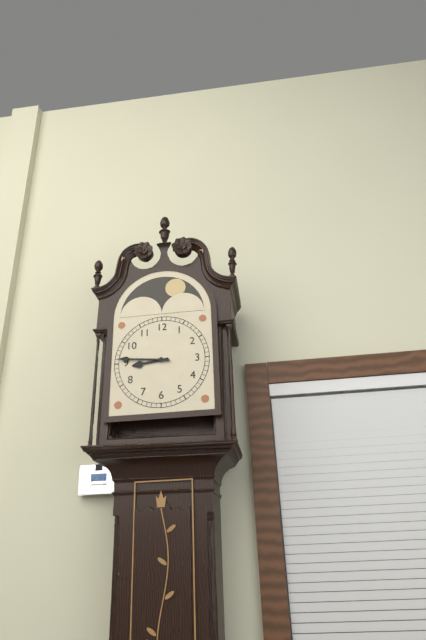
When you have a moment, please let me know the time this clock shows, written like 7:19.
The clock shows 8:46
